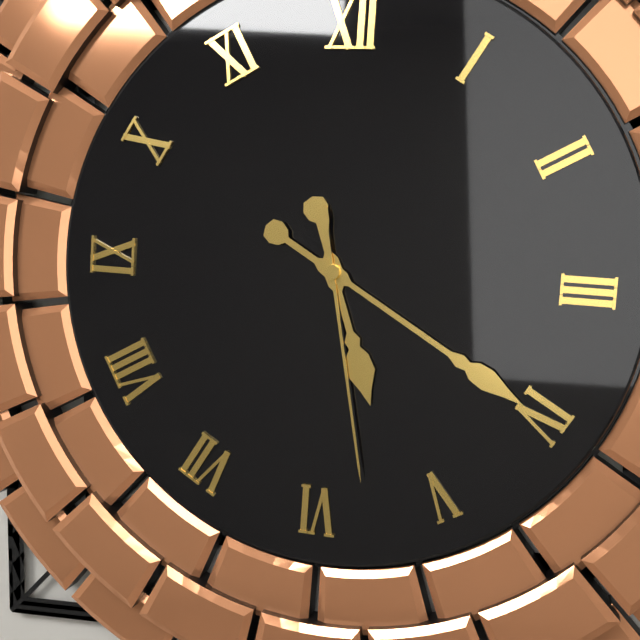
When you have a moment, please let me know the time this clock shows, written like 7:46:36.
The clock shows 5:20:28
